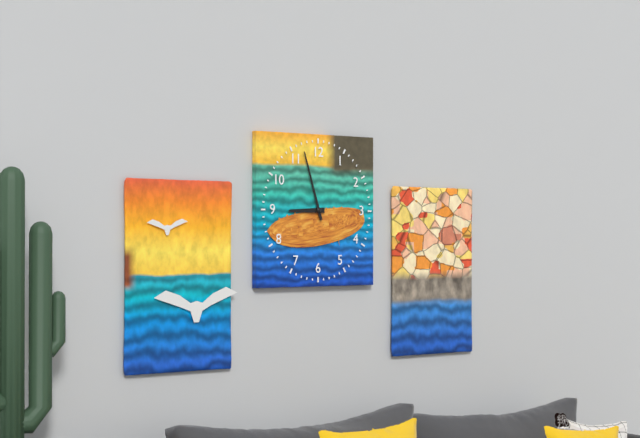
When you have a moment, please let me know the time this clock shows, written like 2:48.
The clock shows 8:57
